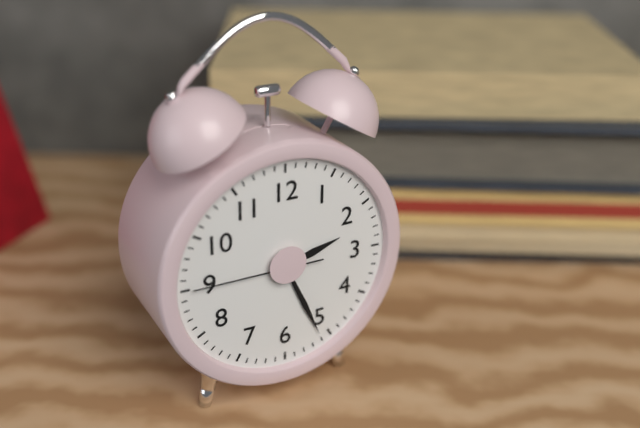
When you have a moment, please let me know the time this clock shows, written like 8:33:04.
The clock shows 2:26:45
